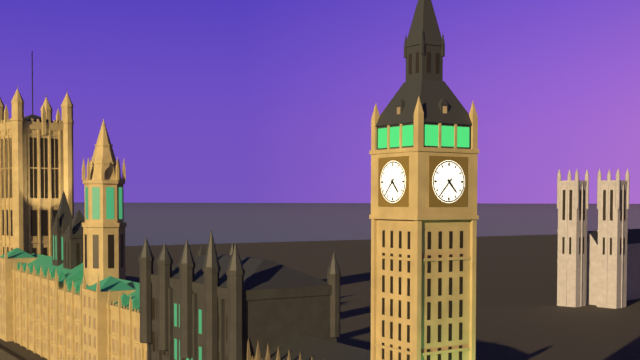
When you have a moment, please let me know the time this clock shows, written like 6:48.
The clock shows 4:37
